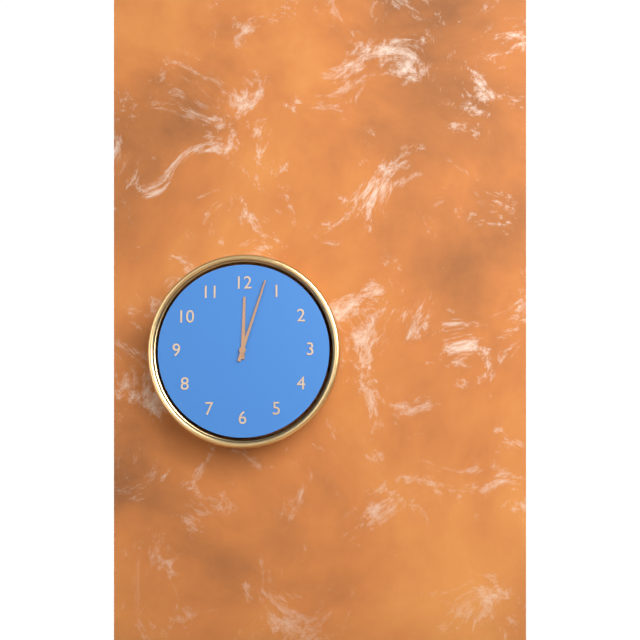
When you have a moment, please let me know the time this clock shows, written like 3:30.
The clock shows 12:03
